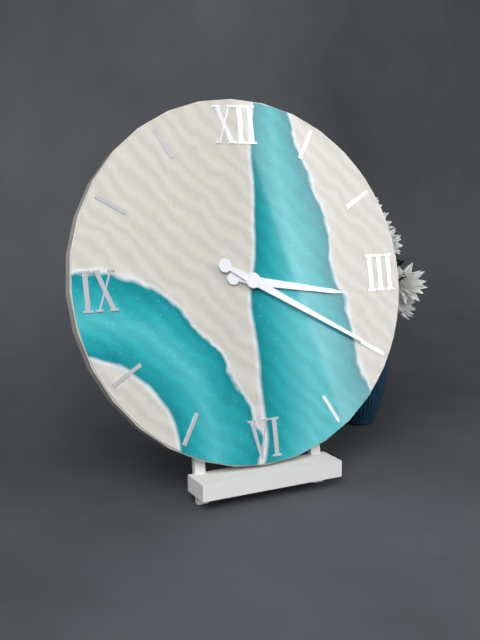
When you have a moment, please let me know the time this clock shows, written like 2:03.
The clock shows 3:20
